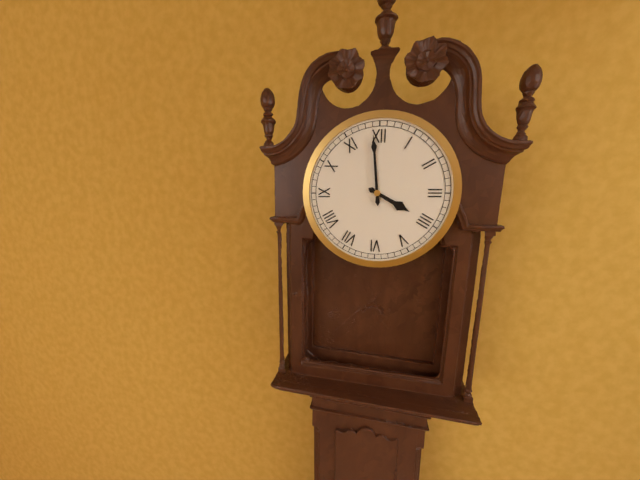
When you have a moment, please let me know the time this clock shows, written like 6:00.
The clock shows 3:59
